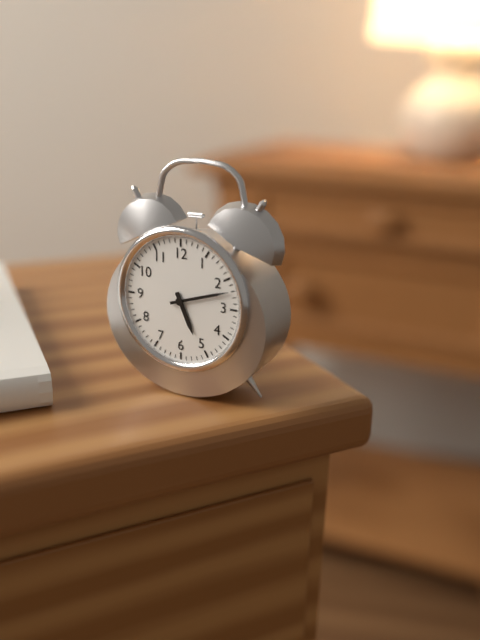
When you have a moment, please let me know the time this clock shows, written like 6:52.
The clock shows 5:12
